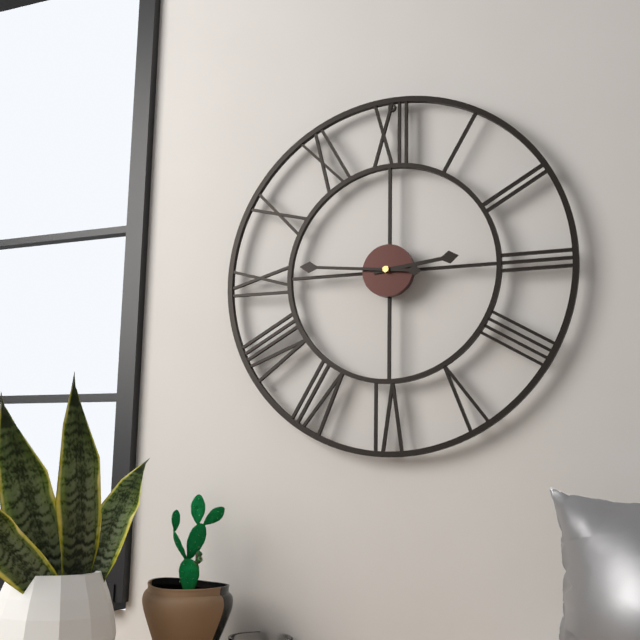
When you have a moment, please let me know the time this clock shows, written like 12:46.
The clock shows 2:46
